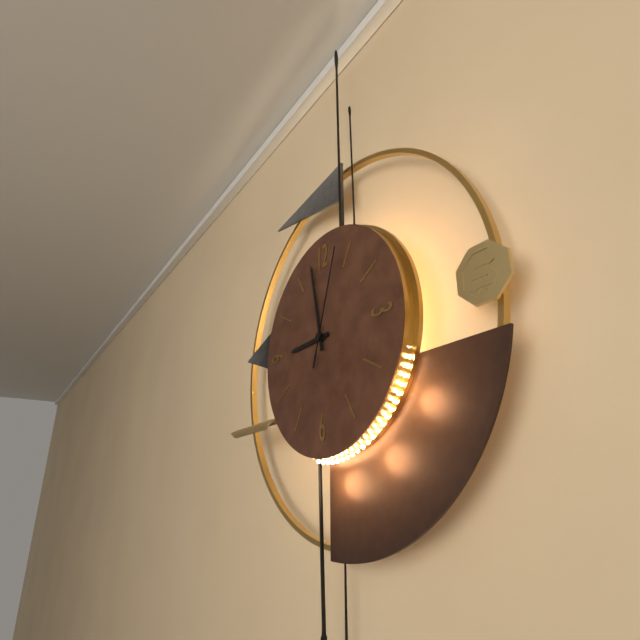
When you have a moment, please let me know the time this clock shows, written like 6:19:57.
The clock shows 8:58:03
